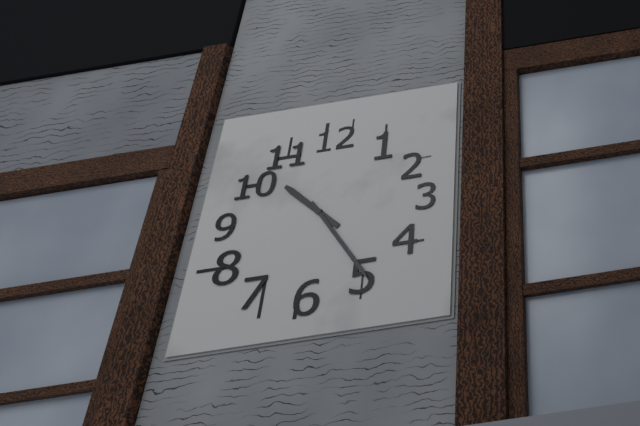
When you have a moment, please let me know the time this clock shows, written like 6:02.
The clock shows 10:24
